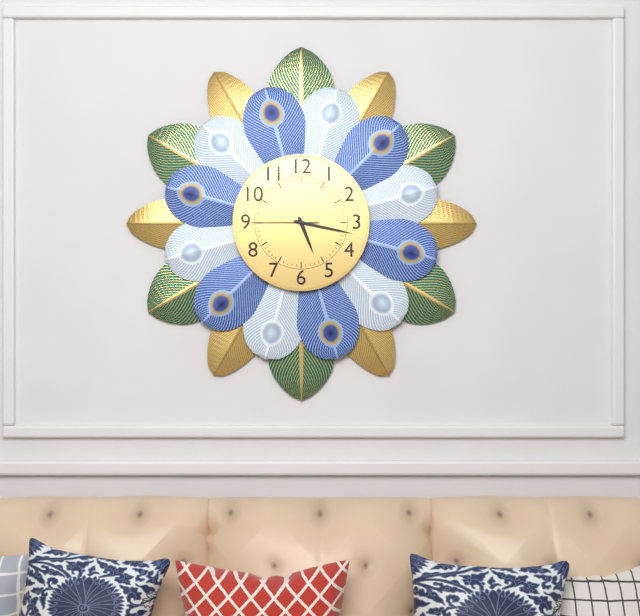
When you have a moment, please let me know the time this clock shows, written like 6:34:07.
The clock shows 5:17:45
